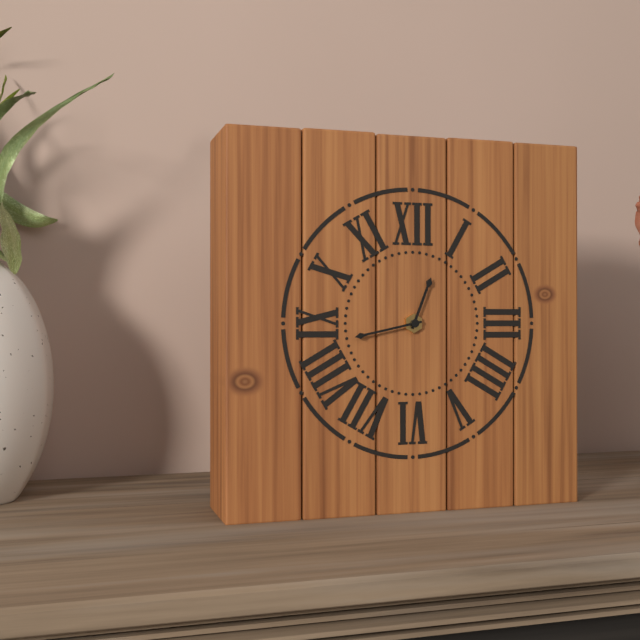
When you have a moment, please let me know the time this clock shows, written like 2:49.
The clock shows 12:43
